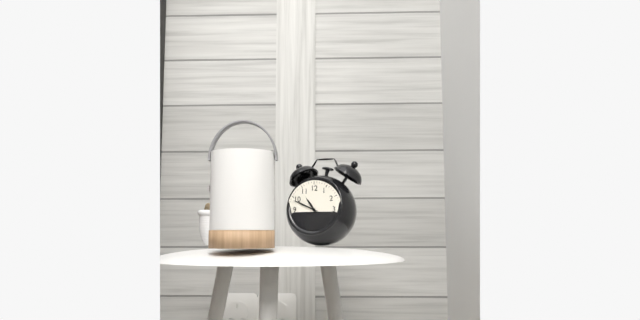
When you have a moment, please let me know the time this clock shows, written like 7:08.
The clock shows 10:49
